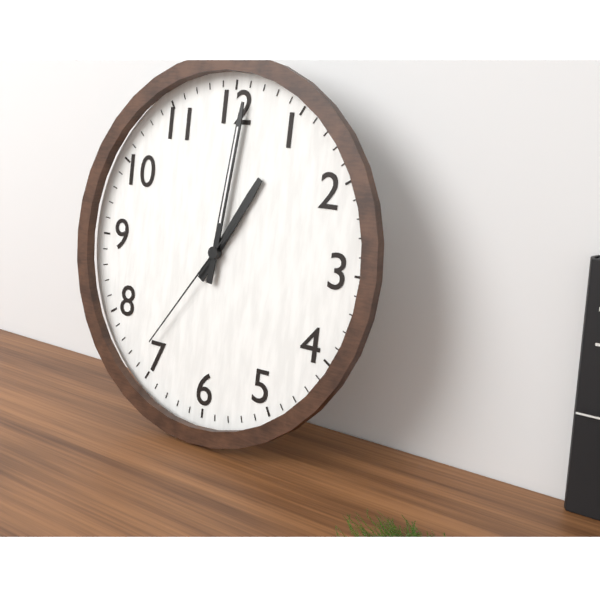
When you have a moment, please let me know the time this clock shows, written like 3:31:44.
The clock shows 1:01:36
